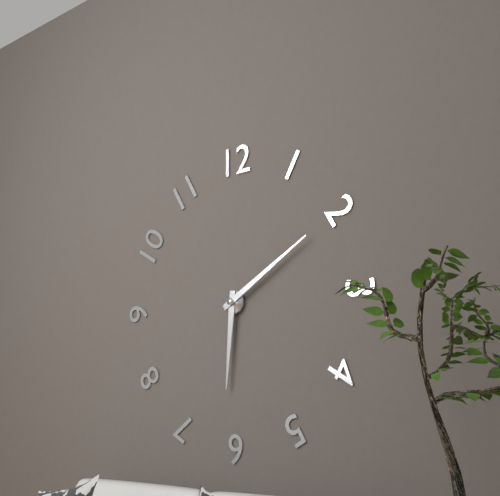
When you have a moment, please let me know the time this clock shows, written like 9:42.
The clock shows 6:10
